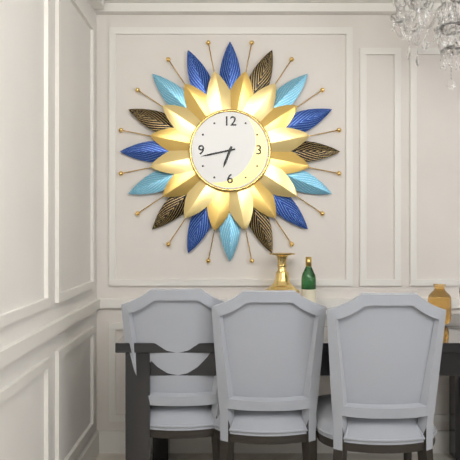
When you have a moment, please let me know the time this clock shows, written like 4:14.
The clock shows 6:43
